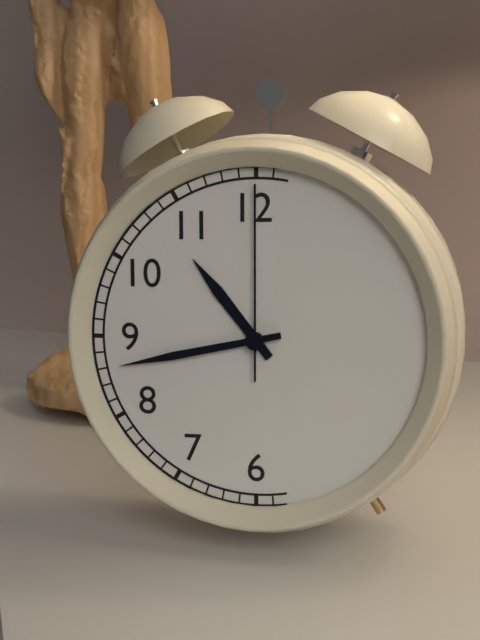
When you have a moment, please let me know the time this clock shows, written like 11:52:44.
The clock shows 10:43:00
